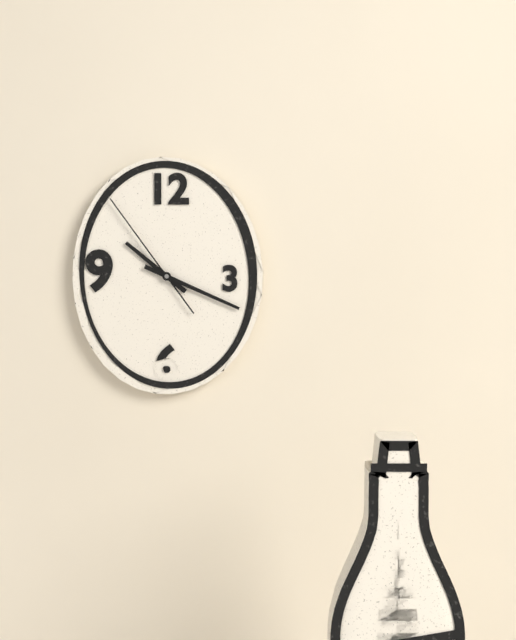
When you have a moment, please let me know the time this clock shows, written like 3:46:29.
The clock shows 10:19:54
